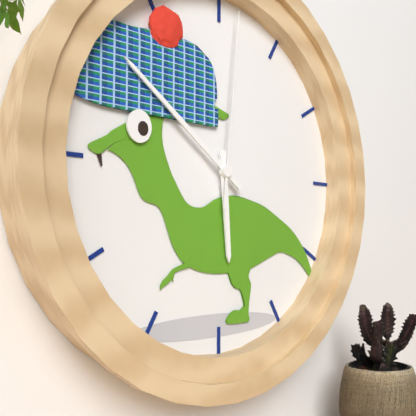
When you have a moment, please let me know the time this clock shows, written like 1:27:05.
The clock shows 5:51:01
